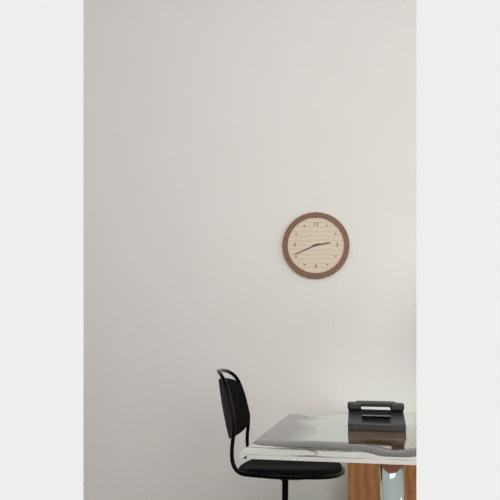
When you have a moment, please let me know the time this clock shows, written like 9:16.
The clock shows 2:41
